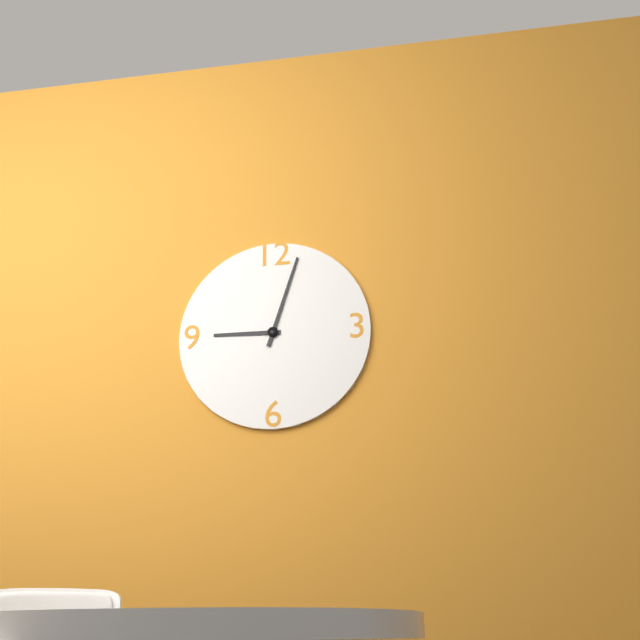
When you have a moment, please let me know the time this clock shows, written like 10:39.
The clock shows 9:03
